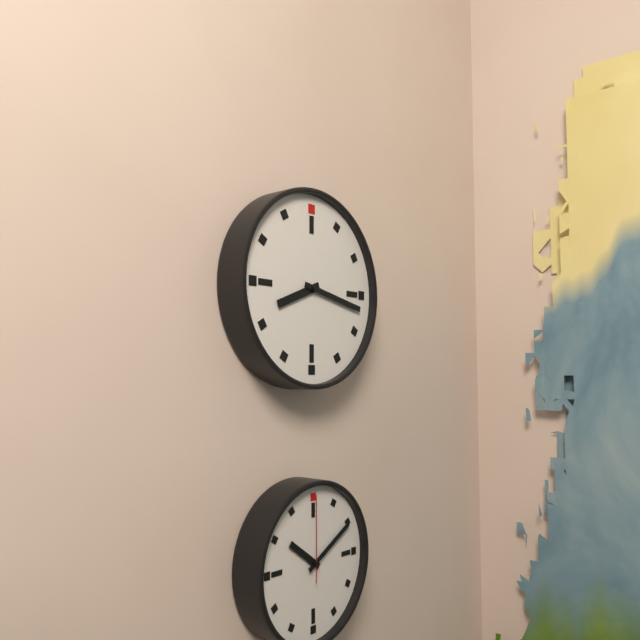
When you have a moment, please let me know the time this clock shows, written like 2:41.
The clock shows 8:17
